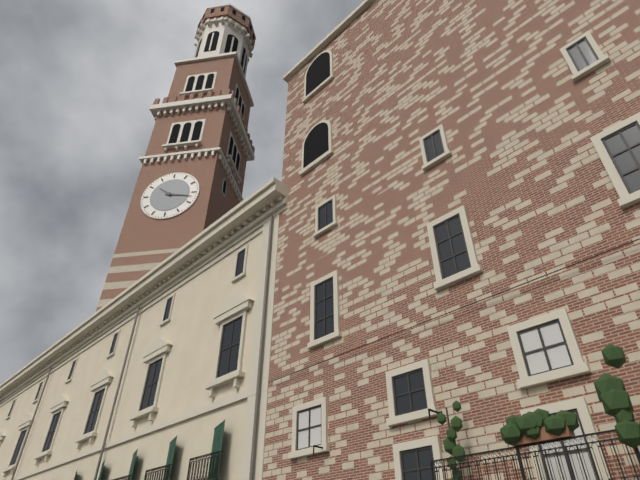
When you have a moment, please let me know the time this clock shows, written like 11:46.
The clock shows 10:17
